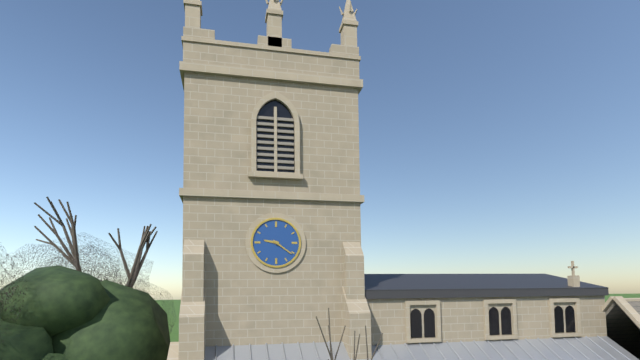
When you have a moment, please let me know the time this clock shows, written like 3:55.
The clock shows 9:21
